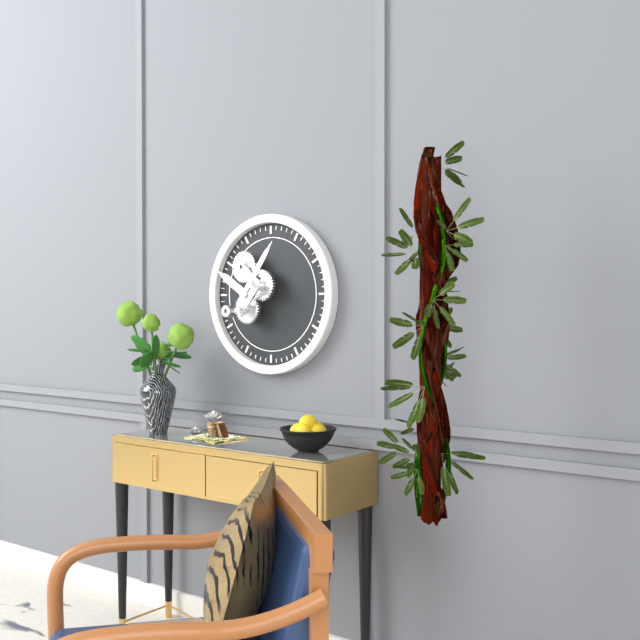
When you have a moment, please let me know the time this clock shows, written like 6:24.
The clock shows 10:06
